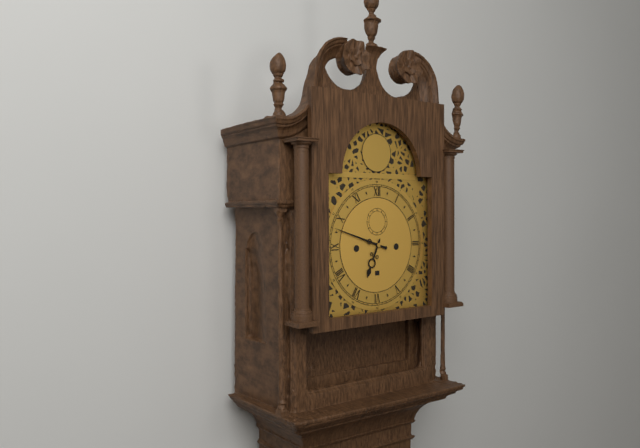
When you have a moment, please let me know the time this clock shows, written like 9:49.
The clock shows 6:48
